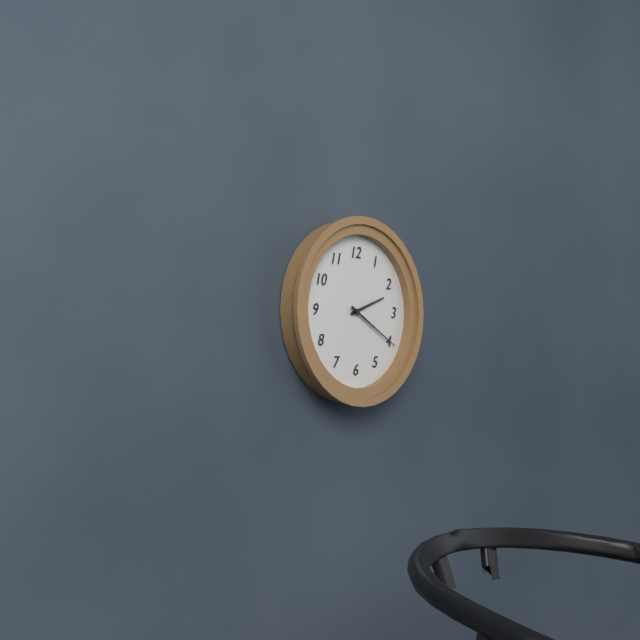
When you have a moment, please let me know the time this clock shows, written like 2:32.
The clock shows 2:20
